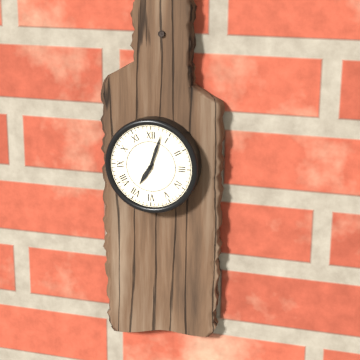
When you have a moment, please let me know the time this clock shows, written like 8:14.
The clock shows 7:03
